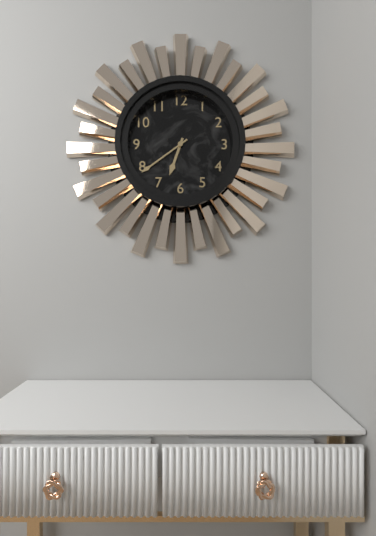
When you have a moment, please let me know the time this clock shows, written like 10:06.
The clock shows 6:39
